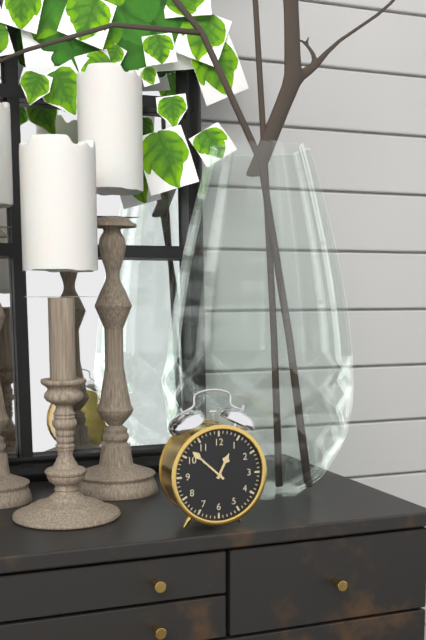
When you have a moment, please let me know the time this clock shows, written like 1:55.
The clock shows 12:52
